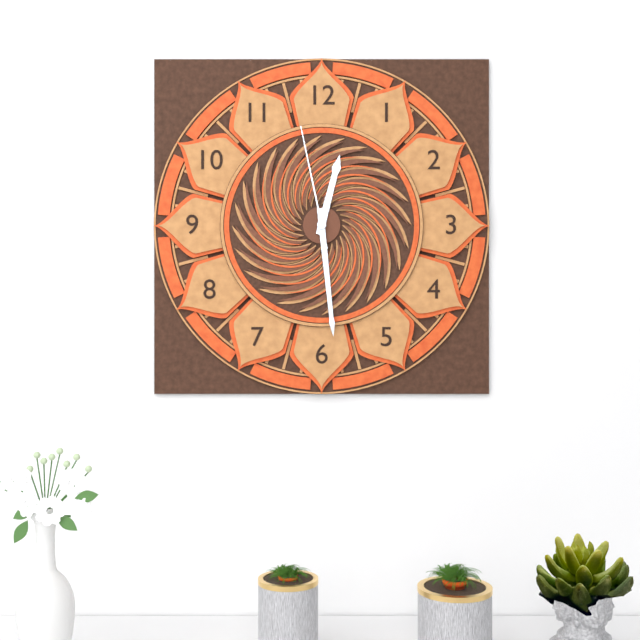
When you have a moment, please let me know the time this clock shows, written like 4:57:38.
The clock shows 12:29:58
